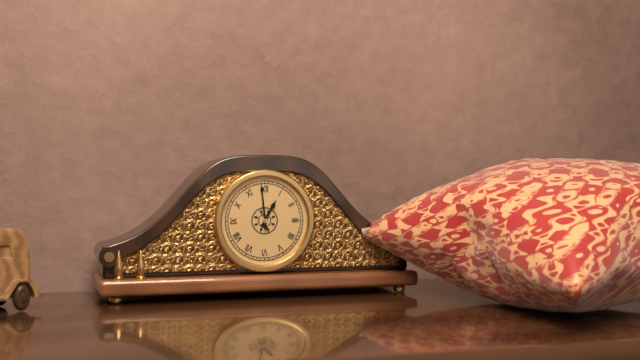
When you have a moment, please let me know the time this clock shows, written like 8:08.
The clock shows 12:59
